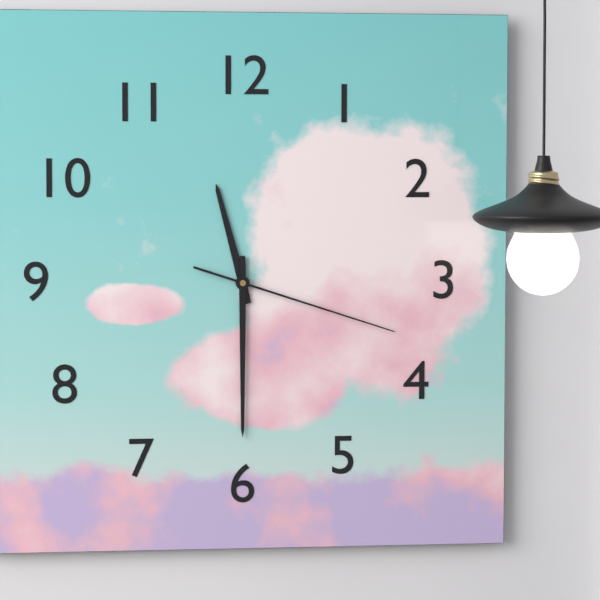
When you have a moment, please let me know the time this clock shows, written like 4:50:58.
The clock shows 11:30:18
